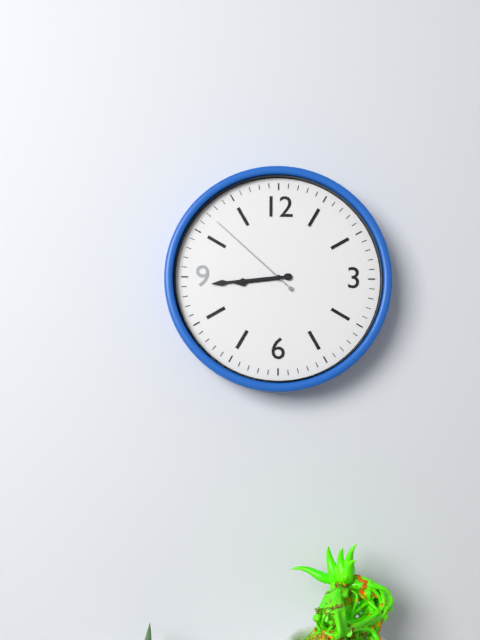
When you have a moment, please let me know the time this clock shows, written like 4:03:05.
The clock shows 8:44:52
